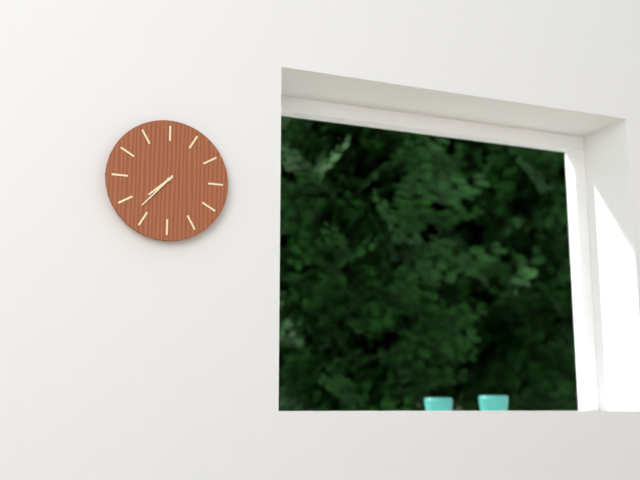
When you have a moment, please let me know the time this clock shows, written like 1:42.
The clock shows 7:37
